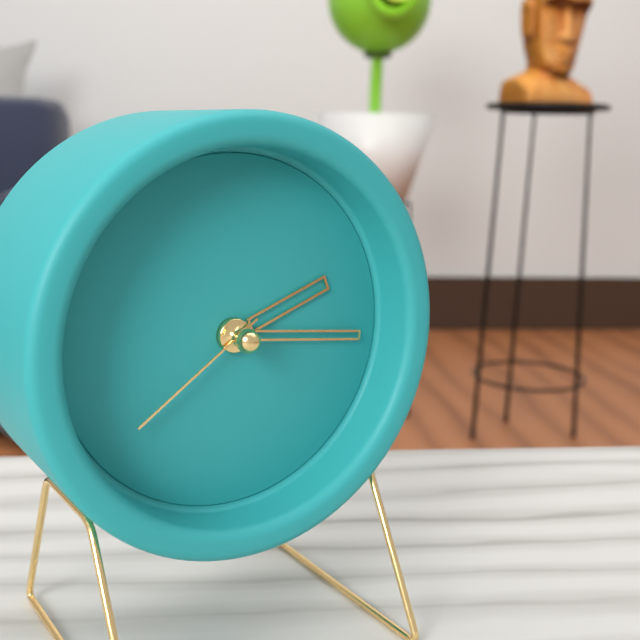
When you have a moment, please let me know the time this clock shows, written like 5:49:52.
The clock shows 2:16:39
